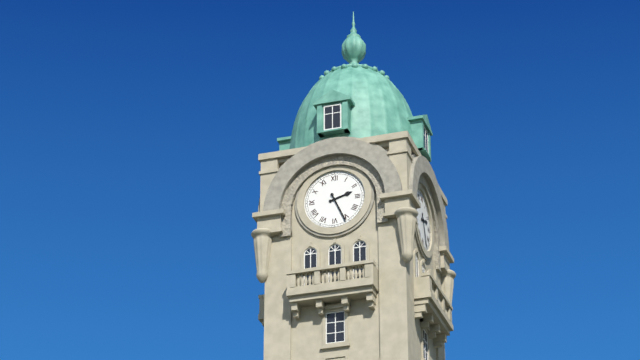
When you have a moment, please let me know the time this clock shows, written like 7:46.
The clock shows 2:26
